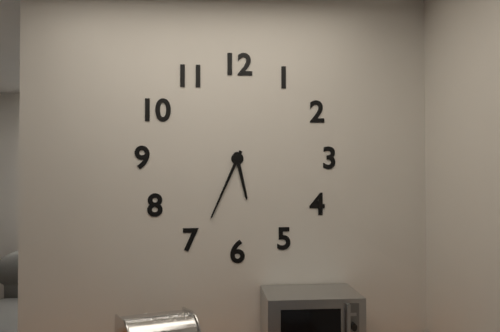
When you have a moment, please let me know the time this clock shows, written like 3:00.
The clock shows 5:34
